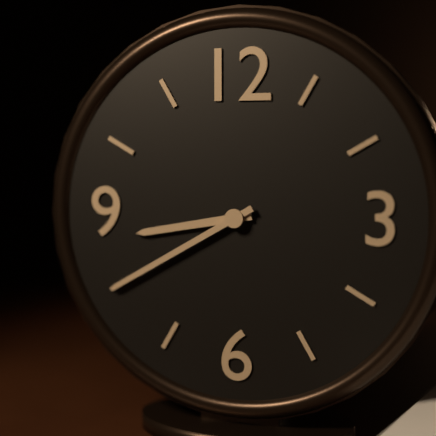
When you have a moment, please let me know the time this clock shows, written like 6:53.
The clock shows 8:40
